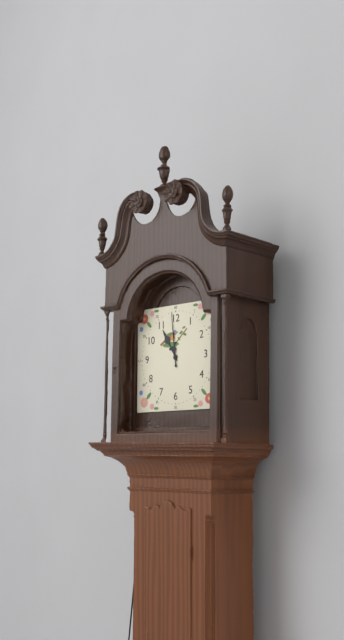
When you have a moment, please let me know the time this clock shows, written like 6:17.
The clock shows 10:59
